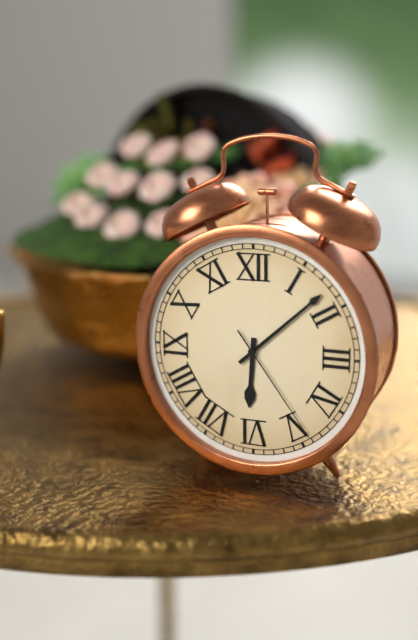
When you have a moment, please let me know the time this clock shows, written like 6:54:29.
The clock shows 6:08:24
